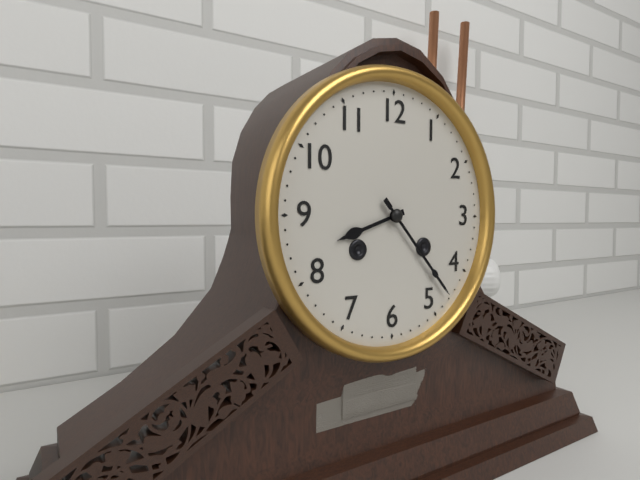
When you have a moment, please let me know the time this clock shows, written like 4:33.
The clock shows 8:23
